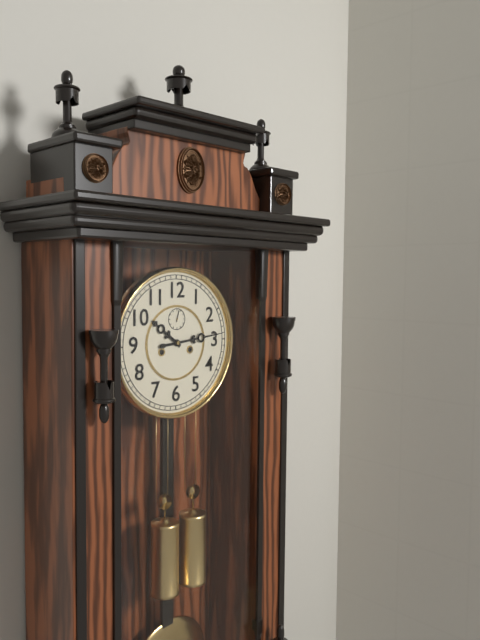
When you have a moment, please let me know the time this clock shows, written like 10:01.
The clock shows 10:14
